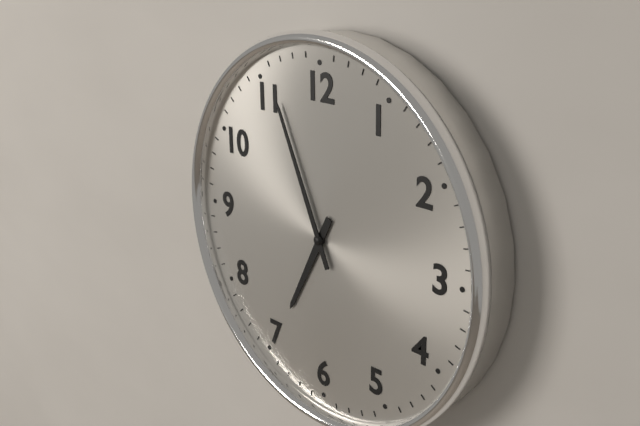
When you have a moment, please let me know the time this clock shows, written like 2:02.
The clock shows 6:56
